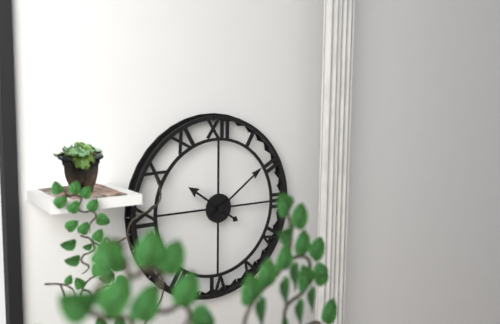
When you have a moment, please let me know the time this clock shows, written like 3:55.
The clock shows 10:09
